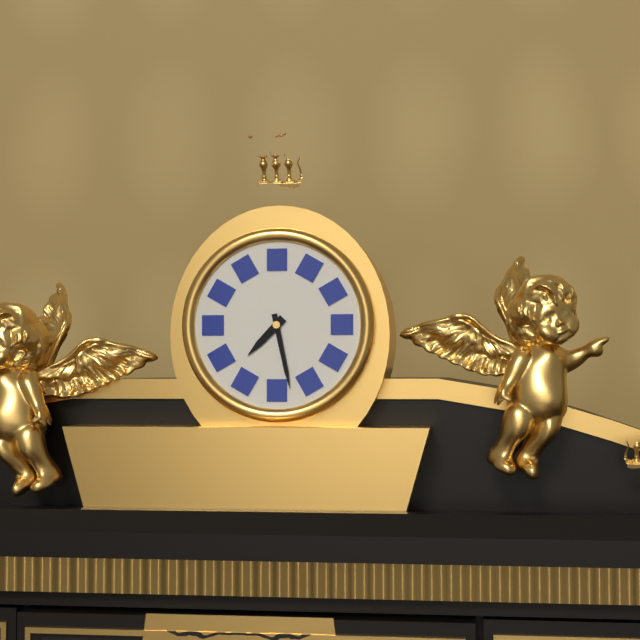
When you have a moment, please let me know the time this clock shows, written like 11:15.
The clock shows 7:28
